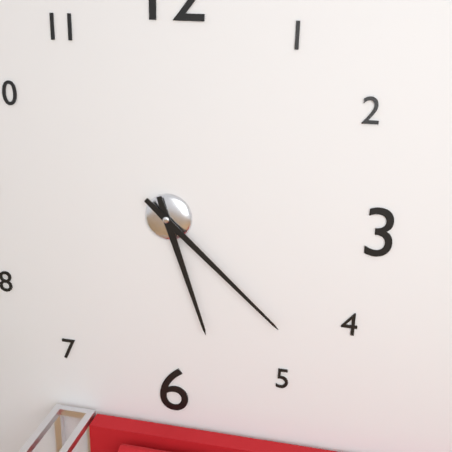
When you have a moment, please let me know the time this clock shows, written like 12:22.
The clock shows 5:22
